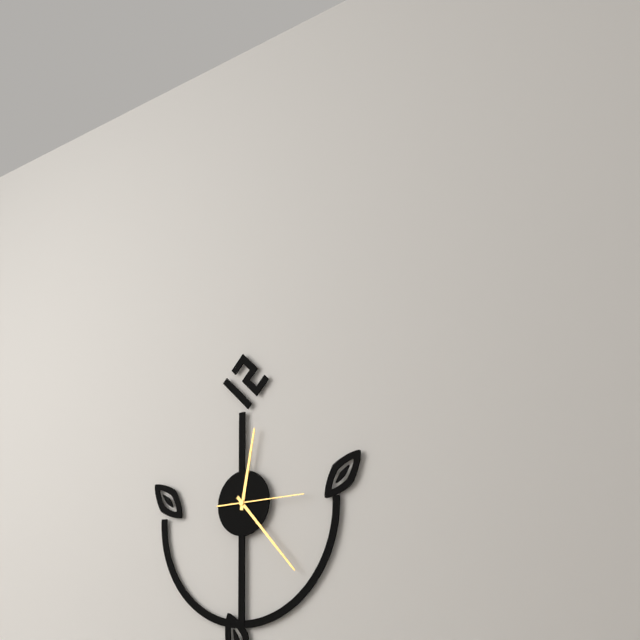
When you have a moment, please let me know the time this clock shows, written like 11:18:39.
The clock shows 12:23:15
